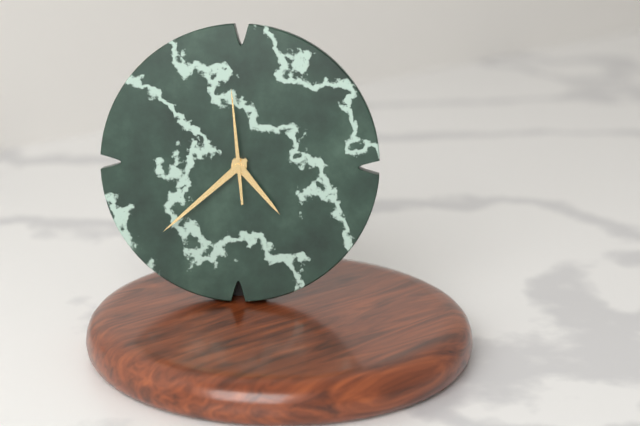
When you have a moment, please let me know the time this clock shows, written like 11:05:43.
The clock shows 4:38:59
